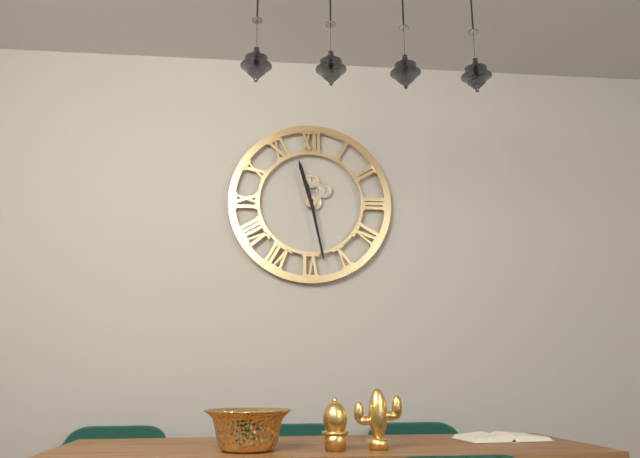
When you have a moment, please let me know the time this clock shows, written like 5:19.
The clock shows 11:28
